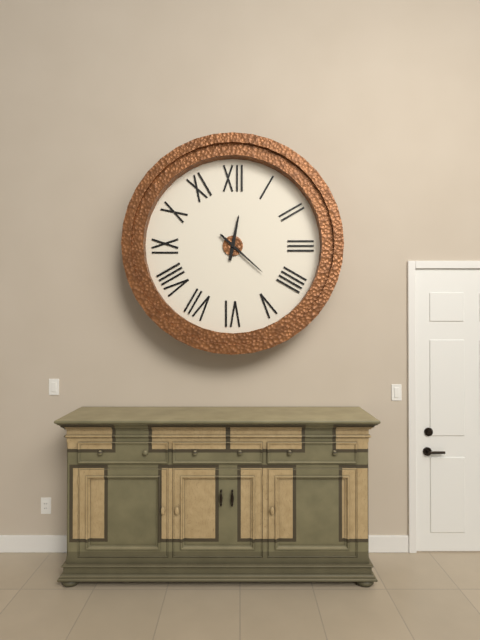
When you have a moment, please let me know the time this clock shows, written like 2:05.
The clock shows 12:22
